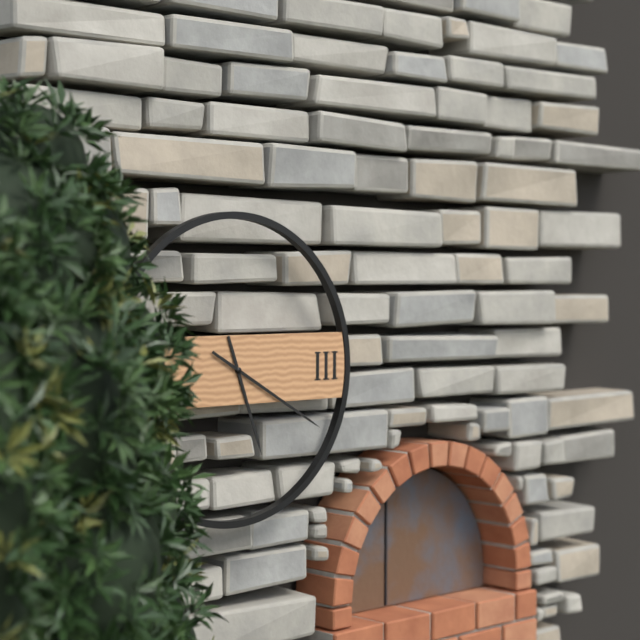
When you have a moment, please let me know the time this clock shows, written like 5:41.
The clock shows 5:20
